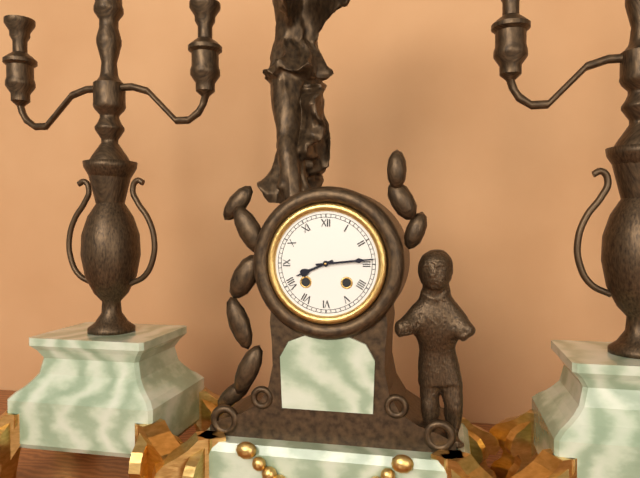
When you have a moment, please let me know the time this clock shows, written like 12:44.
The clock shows 8:14
